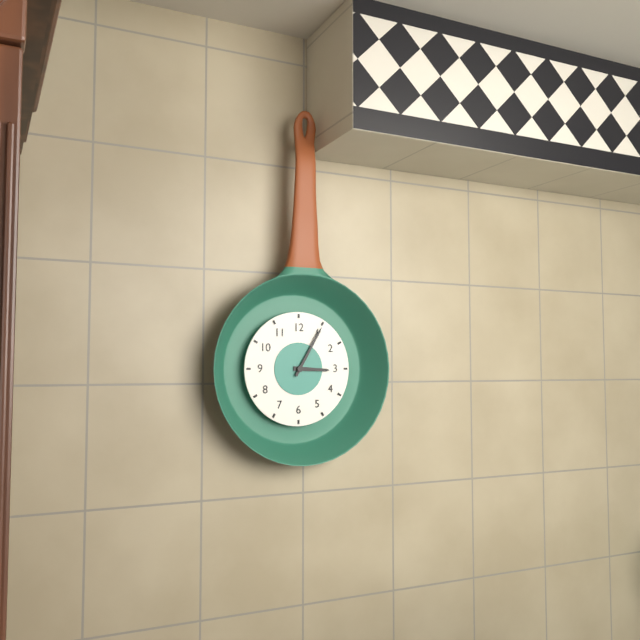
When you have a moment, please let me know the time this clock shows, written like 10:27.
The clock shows 3:05
